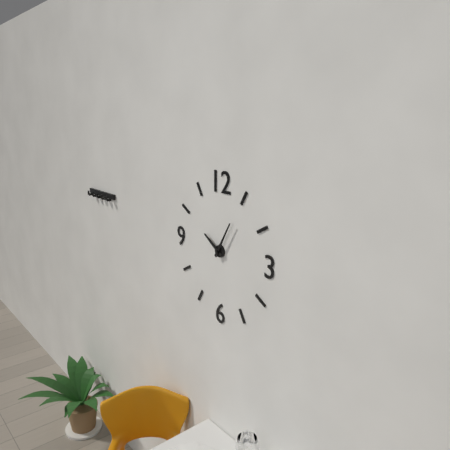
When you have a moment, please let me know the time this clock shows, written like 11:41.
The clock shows 10:05
